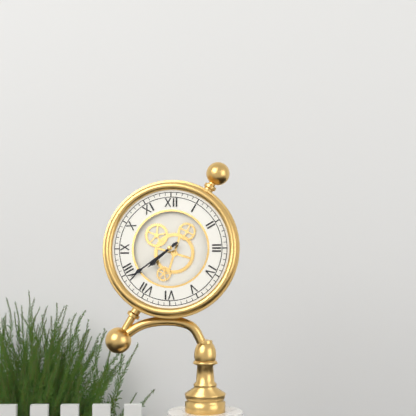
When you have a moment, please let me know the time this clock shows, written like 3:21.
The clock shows 7:39
